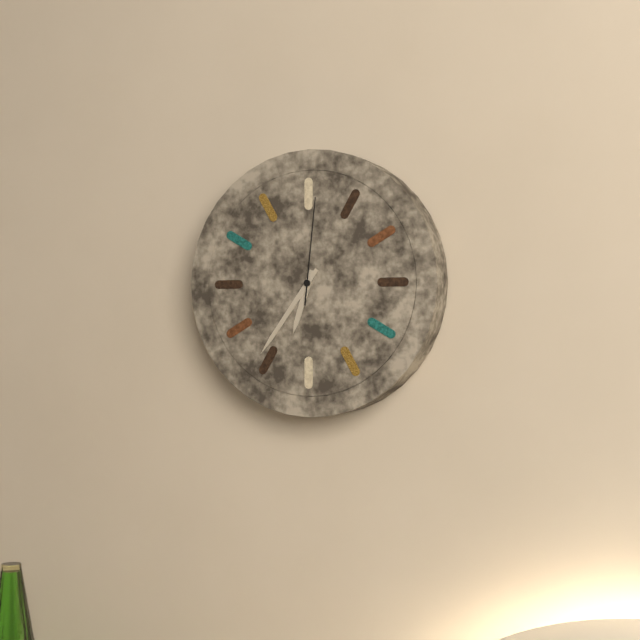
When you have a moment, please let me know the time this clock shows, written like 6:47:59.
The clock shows 6:36:01
